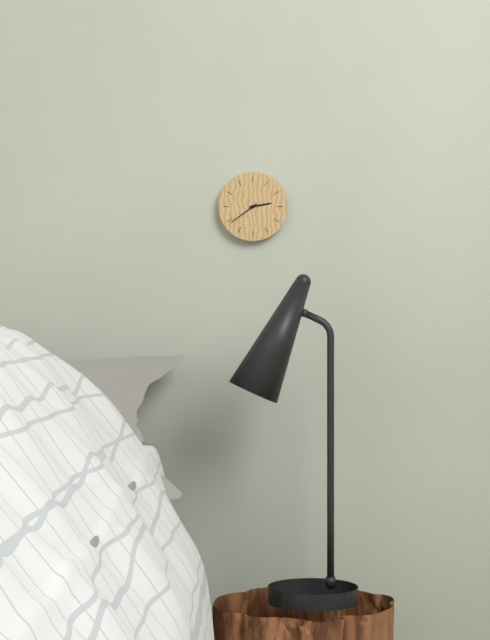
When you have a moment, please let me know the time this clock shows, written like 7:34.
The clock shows 2:39
